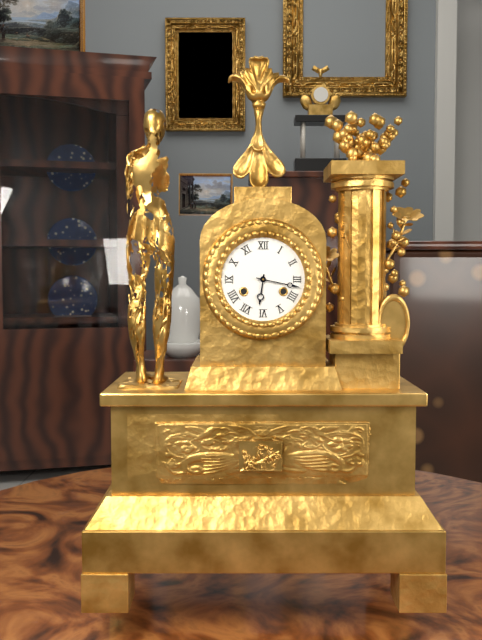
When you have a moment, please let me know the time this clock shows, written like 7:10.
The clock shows 6:17
